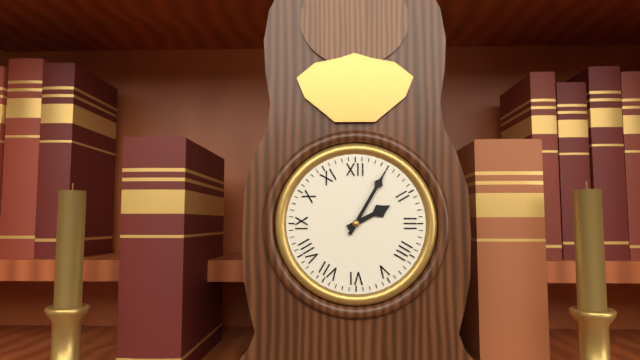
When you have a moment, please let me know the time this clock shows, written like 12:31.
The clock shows 2:05
